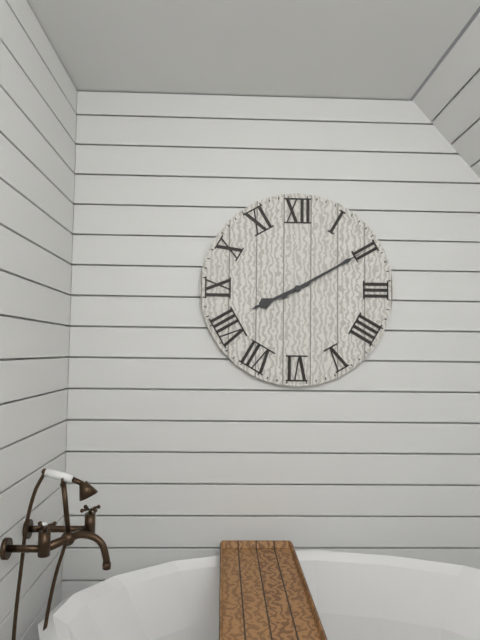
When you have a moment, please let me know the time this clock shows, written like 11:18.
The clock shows 8:10
